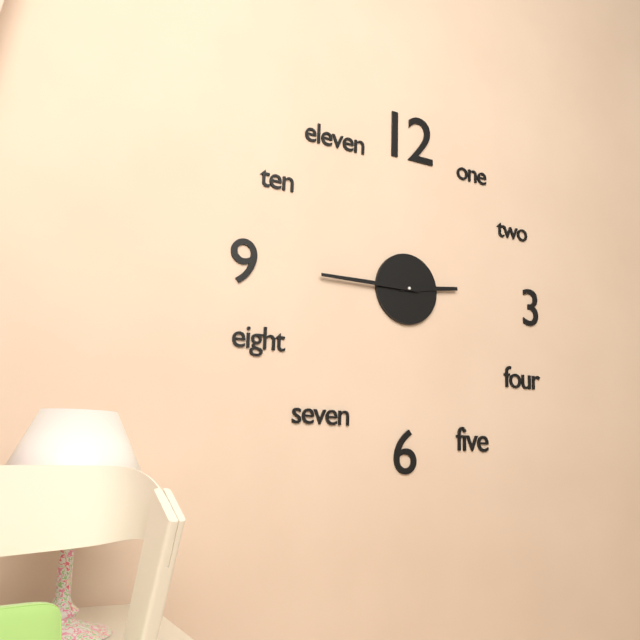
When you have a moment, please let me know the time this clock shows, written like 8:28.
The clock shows 2:45
